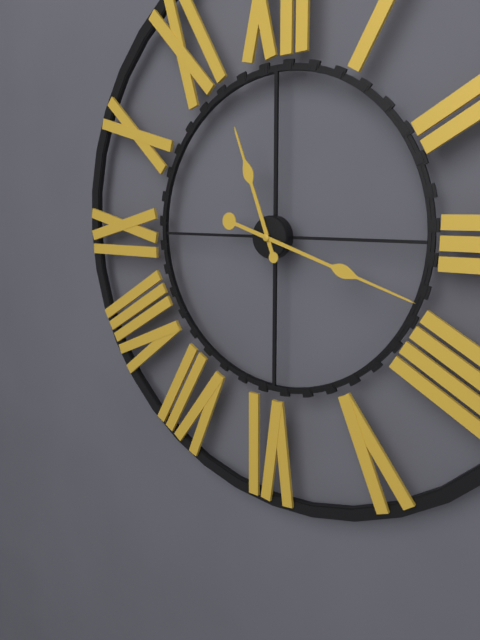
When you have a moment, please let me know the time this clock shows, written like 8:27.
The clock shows 11:18
